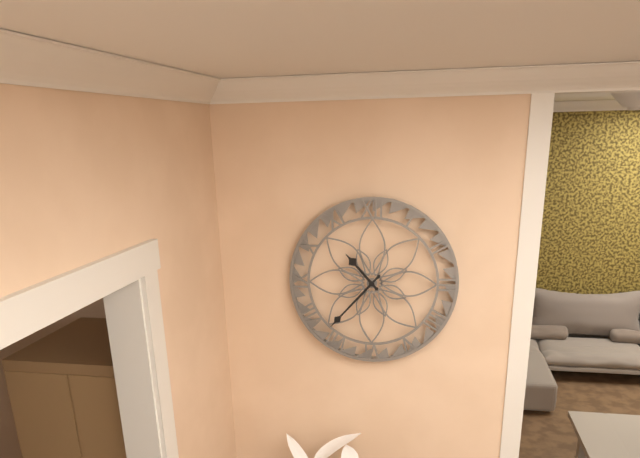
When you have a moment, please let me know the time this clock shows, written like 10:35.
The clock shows 10:37
